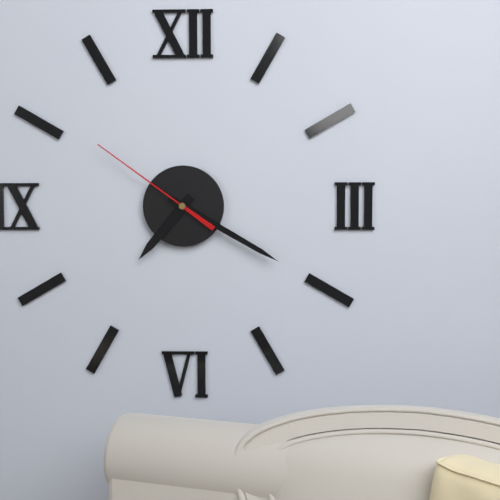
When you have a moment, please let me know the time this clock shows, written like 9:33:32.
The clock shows 7:20:51
